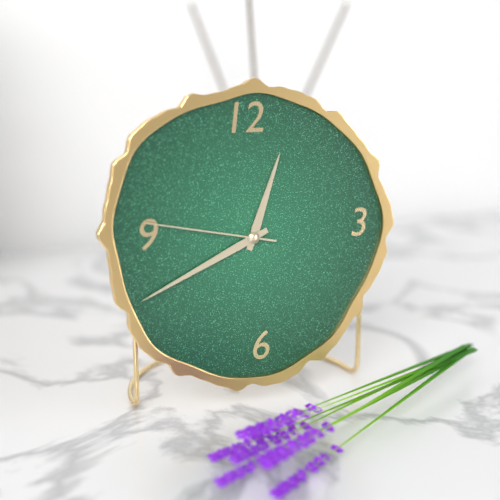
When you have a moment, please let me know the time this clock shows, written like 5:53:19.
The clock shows 12:41:47
